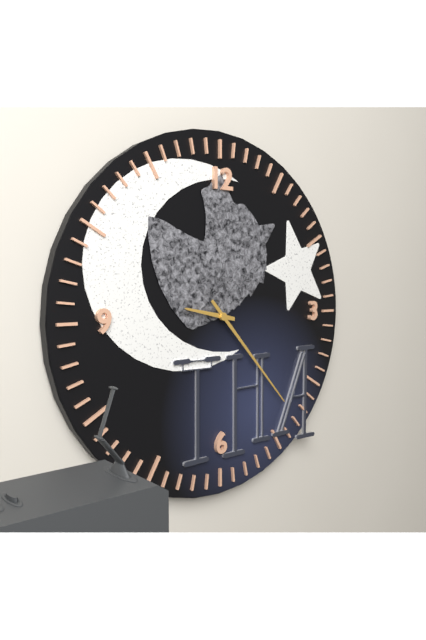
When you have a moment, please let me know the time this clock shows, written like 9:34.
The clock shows 9:23
